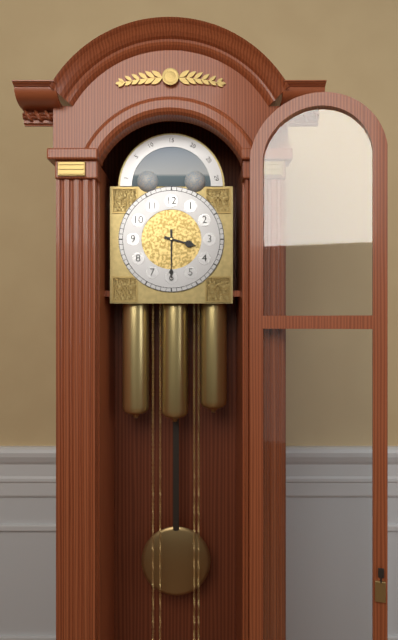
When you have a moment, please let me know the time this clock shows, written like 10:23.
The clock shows 3:30
